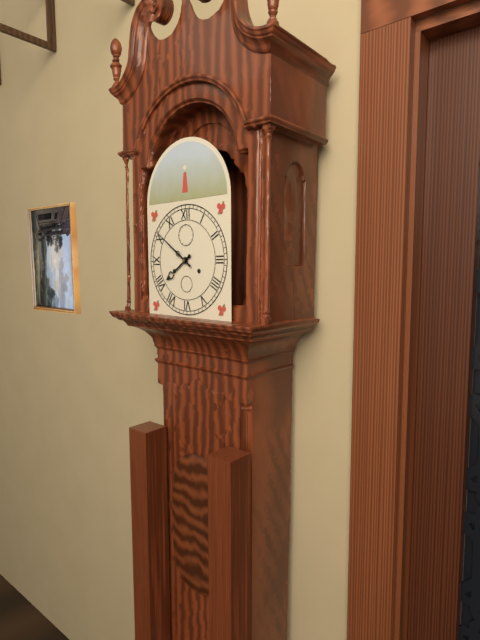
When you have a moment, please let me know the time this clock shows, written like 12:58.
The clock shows 7:51
